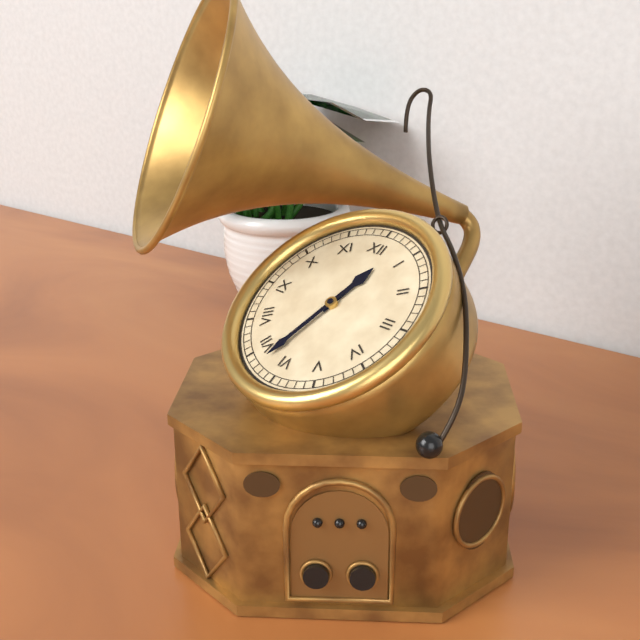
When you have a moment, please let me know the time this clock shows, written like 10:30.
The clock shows 12:33
